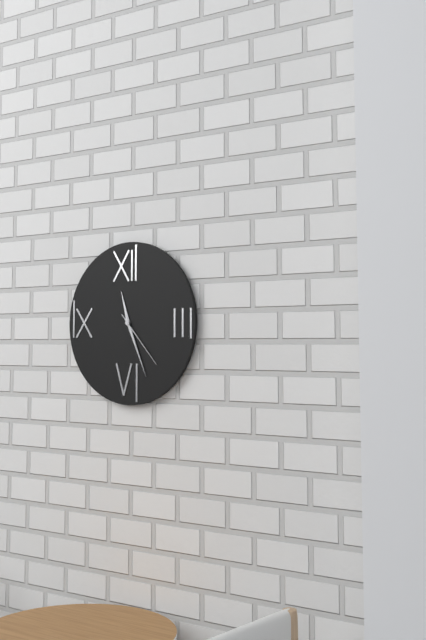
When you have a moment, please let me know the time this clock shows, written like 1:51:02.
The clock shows 11:26:23
